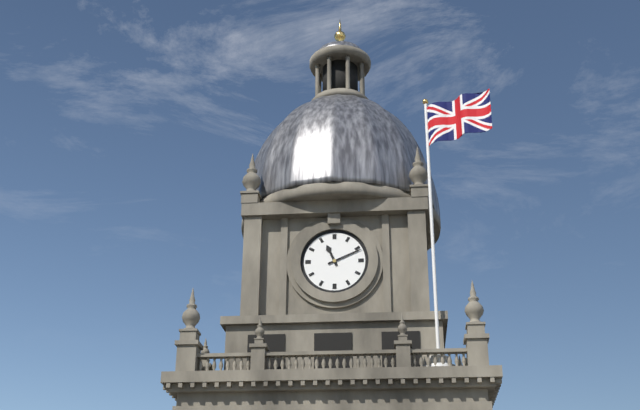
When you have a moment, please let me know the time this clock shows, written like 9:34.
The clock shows 11:11
